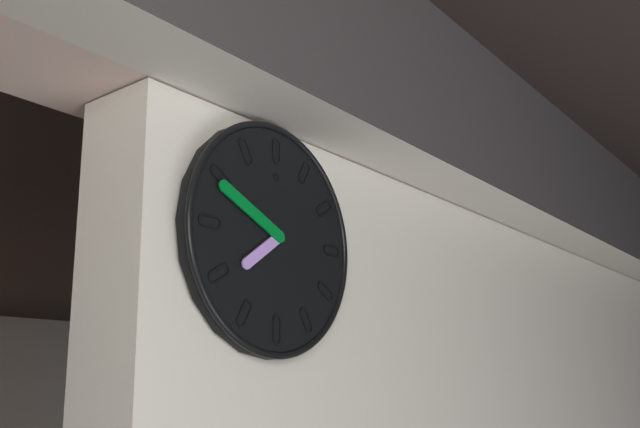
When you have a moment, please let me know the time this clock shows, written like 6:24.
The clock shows 7:49
